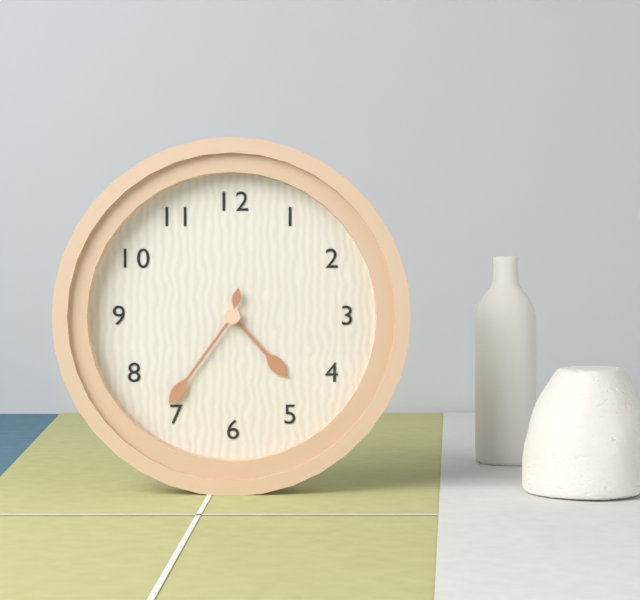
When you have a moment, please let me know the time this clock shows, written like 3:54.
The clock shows 4:36
